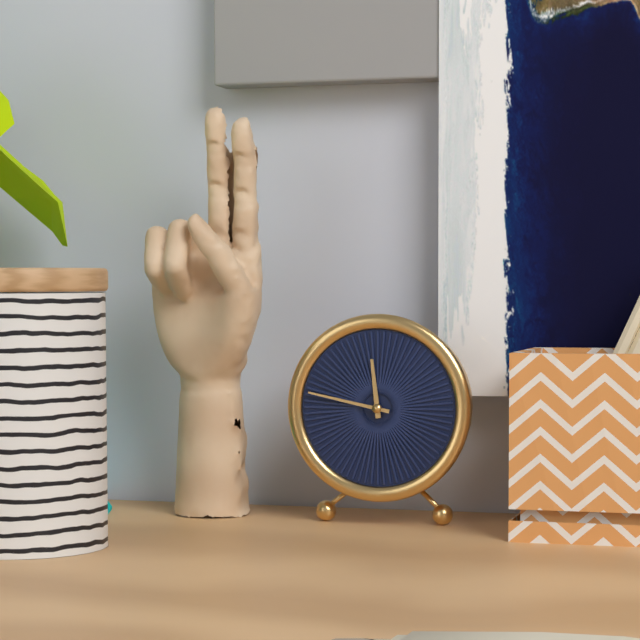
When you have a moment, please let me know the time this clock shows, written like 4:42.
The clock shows 11:47
